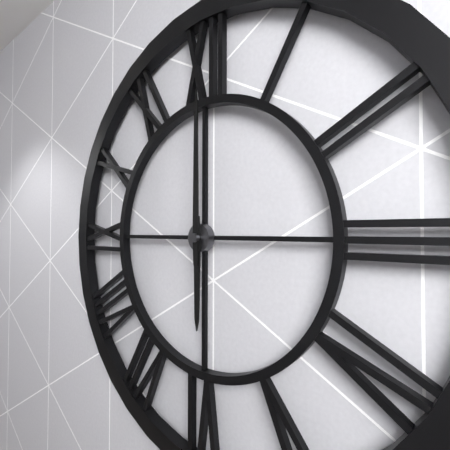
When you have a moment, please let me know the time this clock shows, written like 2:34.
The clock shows 6:00
